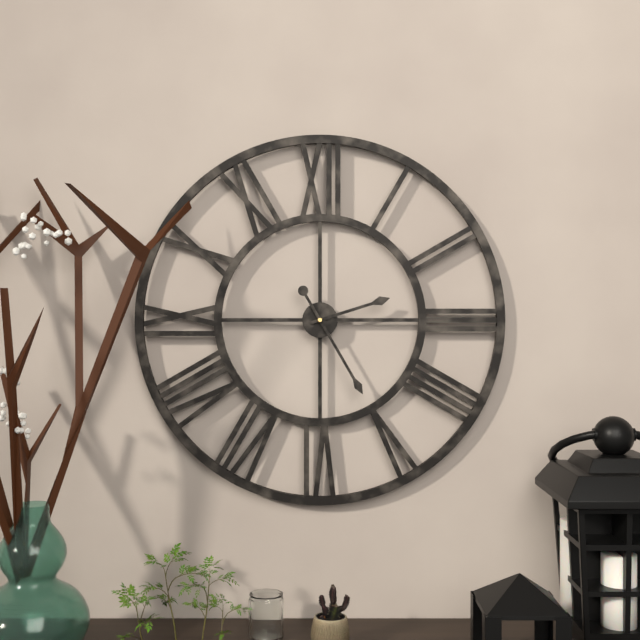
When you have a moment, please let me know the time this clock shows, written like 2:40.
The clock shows 2:25
